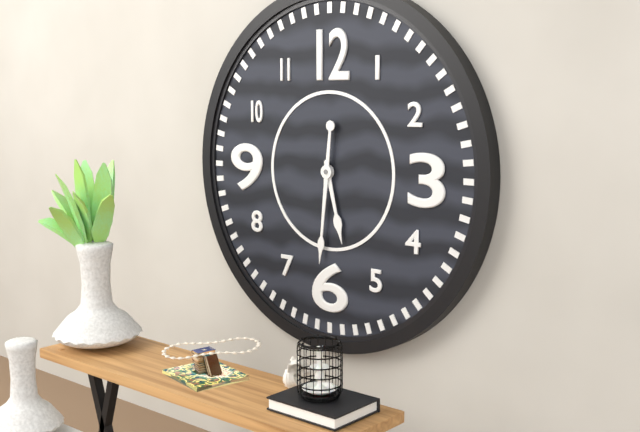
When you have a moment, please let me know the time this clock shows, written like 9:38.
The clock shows 5:31
